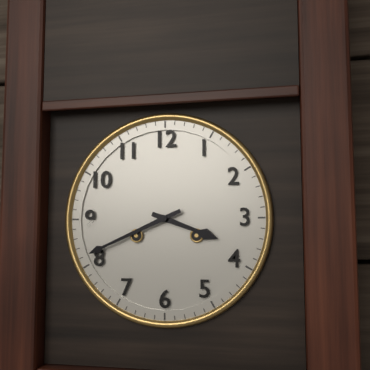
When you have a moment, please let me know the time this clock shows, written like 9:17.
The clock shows 3:41
